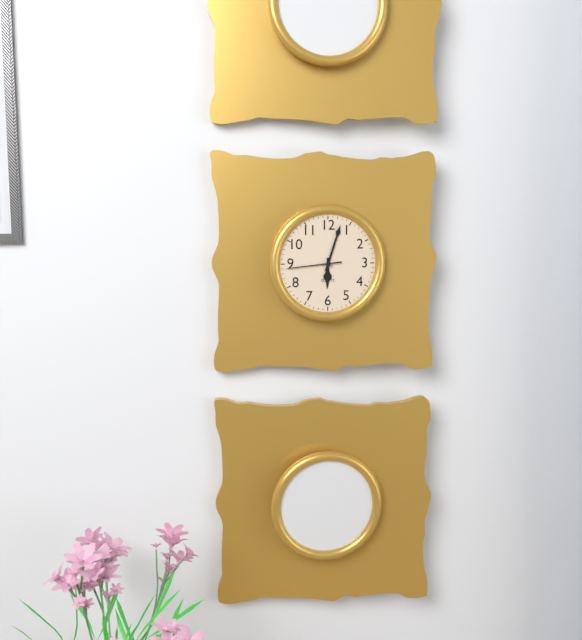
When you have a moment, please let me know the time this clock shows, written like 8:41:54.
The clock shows 6:03:44
